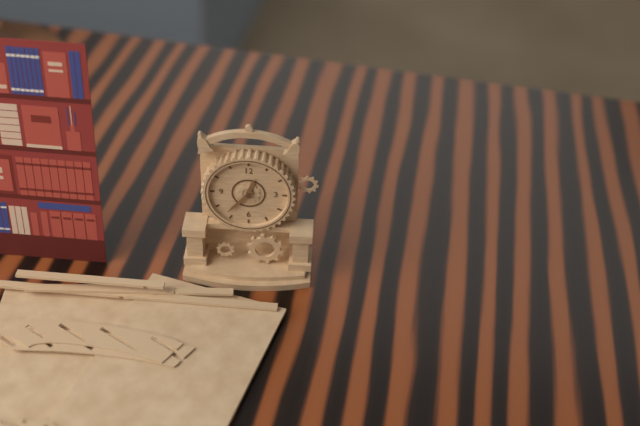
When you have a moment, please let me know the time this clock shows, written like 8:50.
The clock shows 12:37
